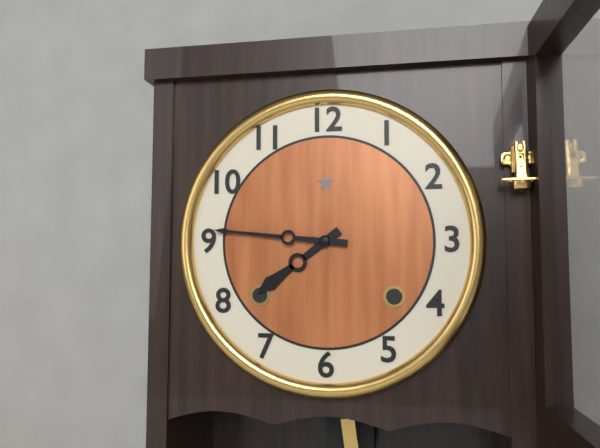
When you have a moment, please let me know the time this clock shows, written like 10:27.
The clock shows 7:46
